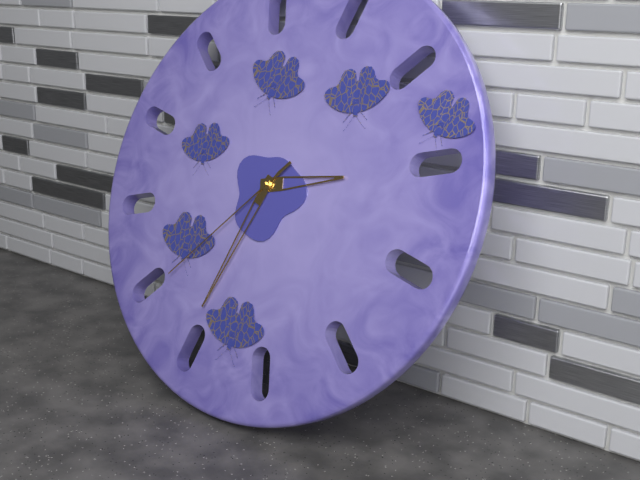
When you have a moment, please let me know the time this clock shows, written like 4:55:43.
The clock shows 2:33:37
